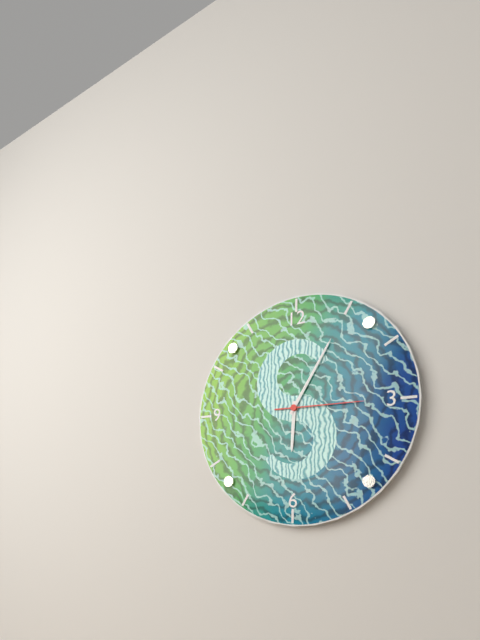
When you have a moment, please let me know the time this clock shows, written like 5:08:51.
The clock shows 6:05:15
